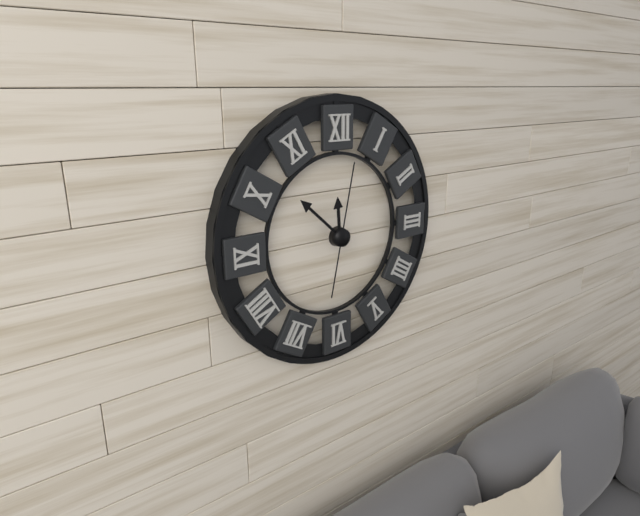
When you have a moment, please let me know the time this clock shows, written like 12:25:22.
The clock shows 11:52:02
